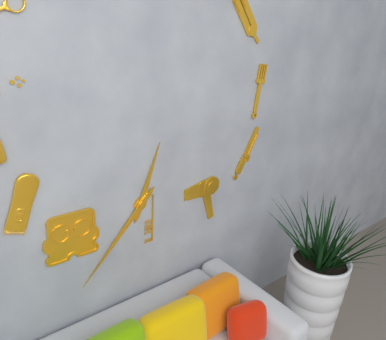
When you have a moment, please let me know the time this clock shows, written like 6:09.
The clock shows 12:37
